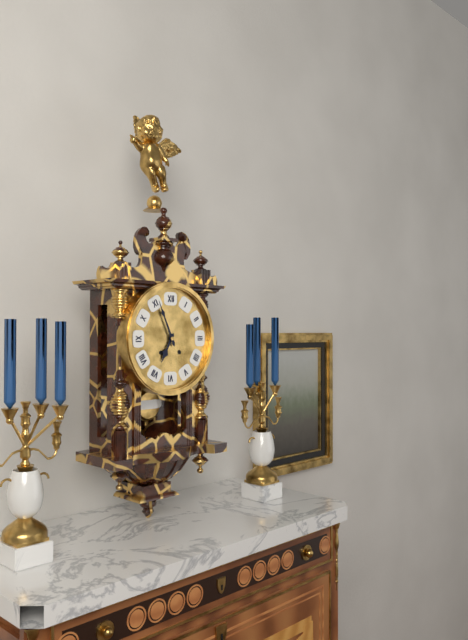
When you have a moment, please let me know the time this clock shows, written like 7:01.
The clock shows 6:56
